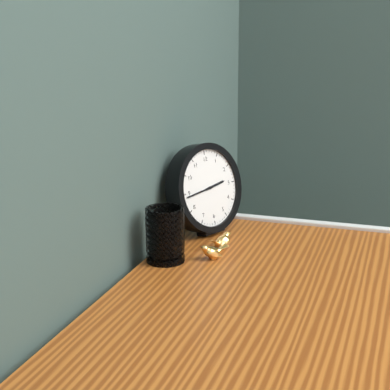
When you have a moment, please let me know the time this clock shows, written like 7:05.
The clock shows 2:44
